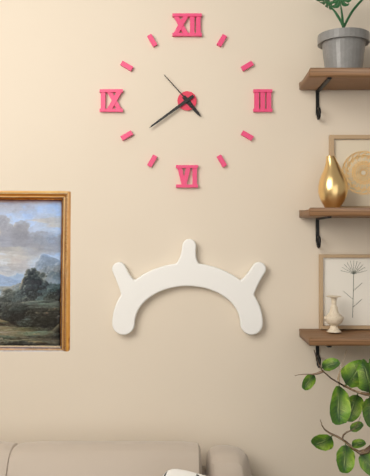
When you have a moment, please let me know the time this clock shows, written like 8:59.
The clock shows 4:39
